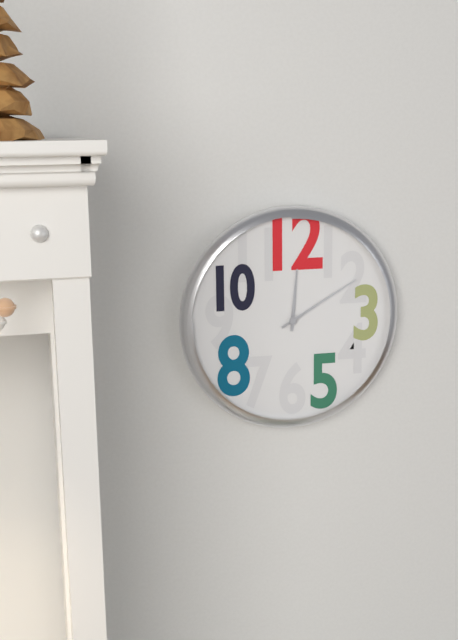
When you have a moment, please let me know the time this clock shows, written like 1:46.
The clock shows 12:10
